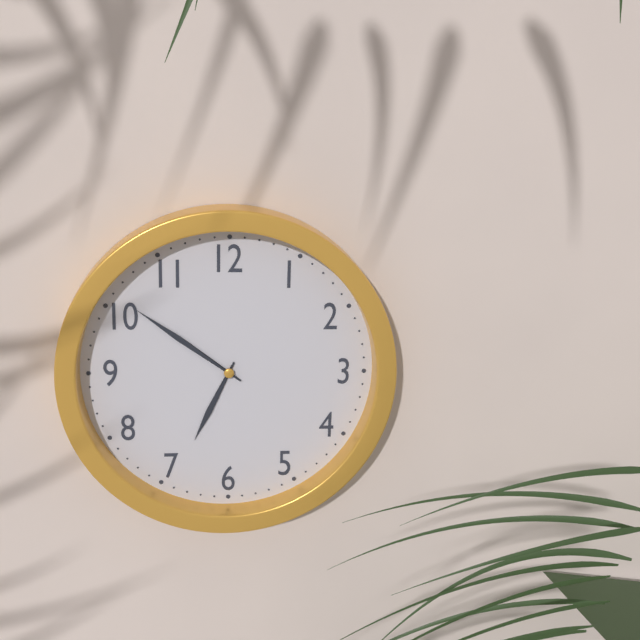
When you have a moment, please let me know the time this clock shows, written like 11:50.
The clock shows 6:51
